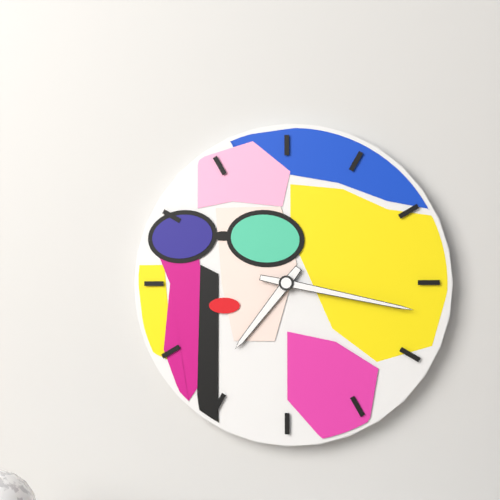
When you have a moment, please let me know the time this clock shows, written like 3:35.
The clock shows 7:17
